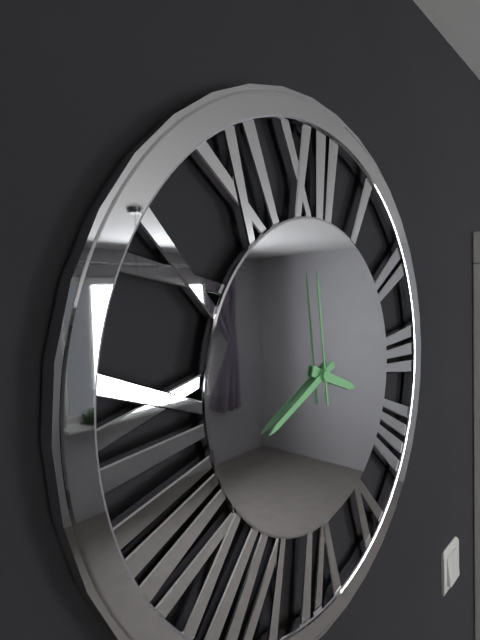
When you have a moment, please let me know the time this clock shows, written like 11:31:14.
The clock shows 3:41:59
